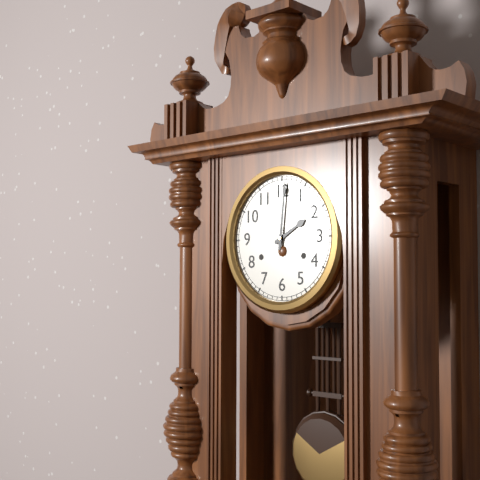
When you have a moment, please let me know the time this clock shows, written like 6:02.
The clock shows 2:01
